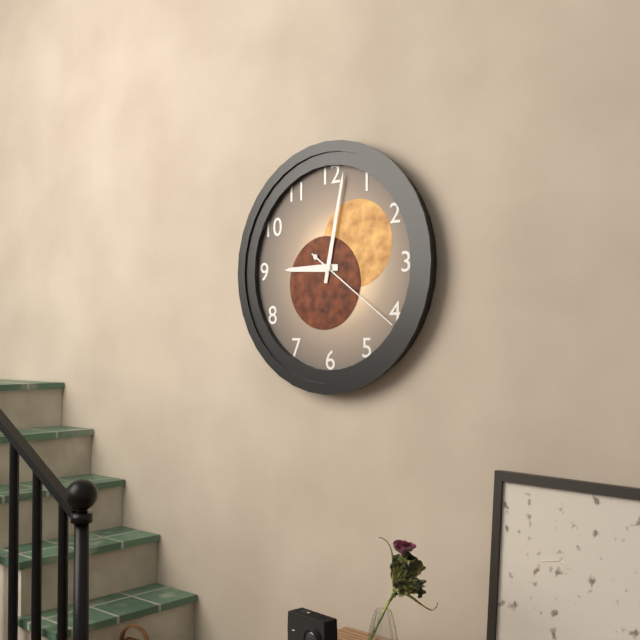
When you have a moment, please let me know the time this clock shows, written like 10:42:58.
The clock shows 9:02:21
